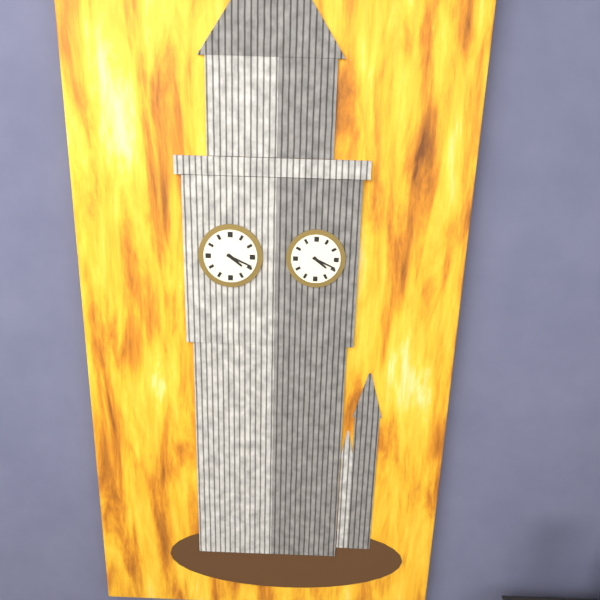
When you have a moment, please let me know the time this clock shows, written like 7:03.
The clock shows 4:19
